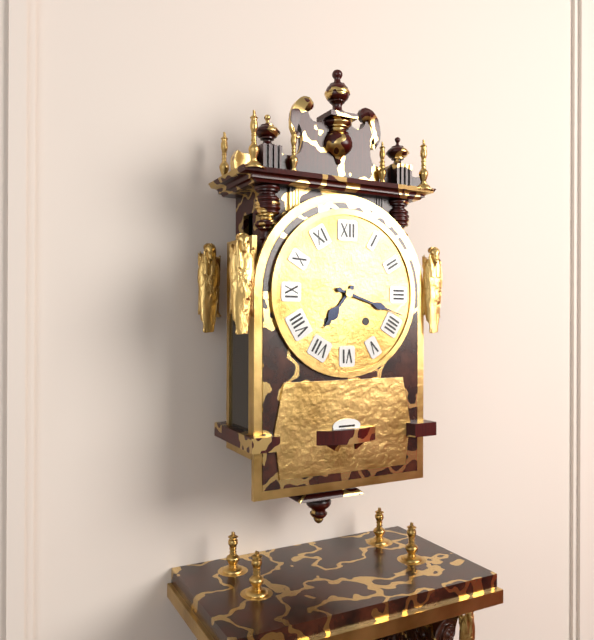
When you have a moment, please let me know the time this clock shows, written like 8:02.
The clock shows 7:18
